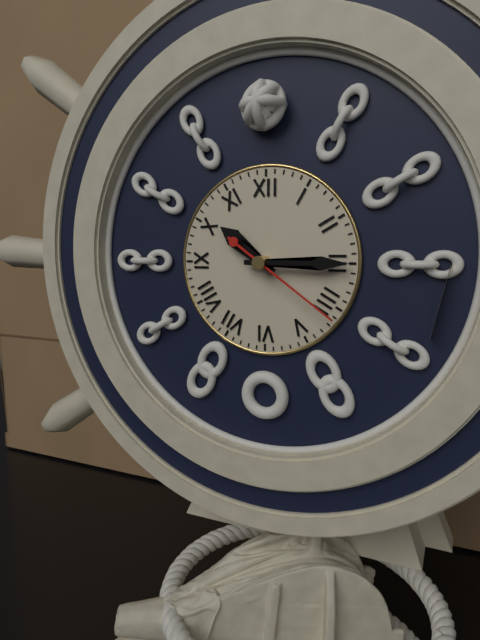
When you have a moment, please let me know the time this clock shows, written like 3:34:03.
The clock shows 10:15:21
